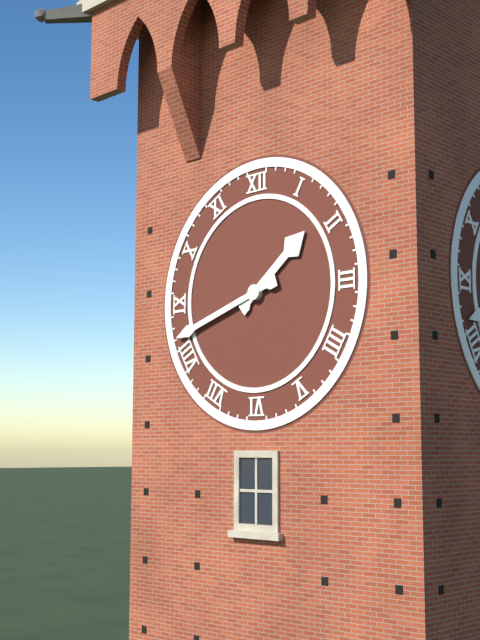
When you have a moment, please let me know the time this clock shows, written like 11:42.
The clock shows 1:42
